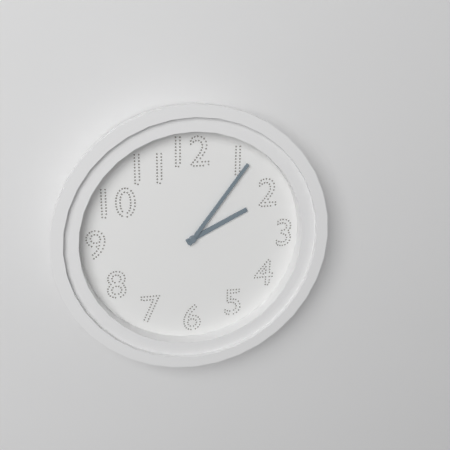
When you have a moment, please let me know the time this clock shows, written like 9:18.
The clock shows 2:06
